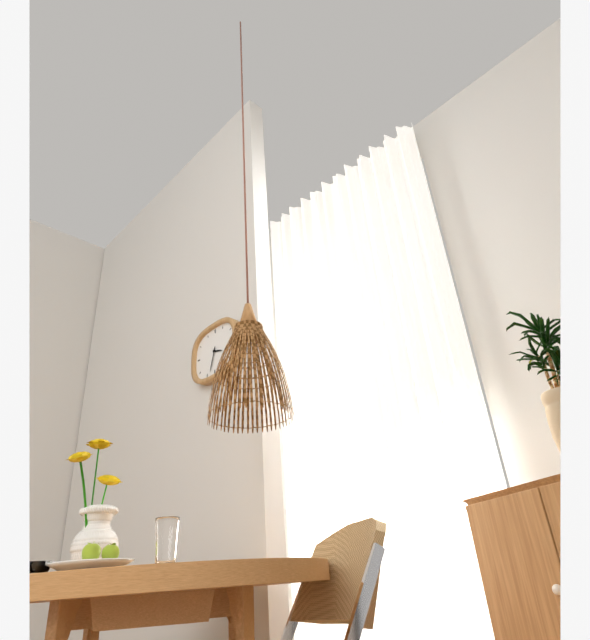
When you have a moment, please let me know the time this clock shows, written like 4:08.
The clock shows 3:33
